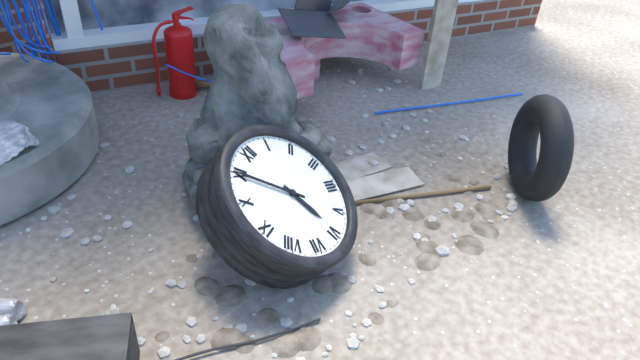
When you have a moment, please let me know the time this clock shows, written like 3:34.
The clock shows 5:55
